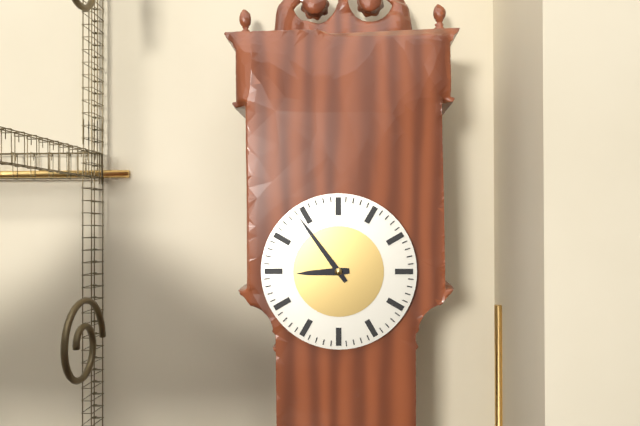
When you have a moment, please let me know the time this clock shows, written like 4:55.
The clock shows 8:54
